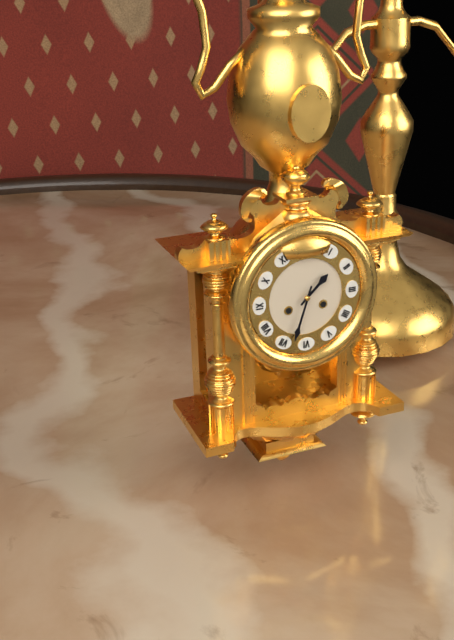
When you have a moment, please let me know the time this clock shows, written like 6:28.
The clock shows 1:33
